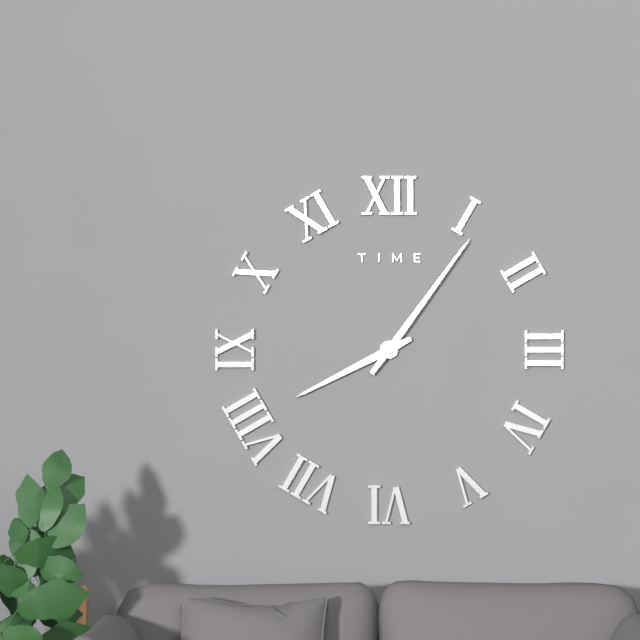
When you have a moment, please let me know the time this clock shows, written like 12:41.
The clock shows 8:06
